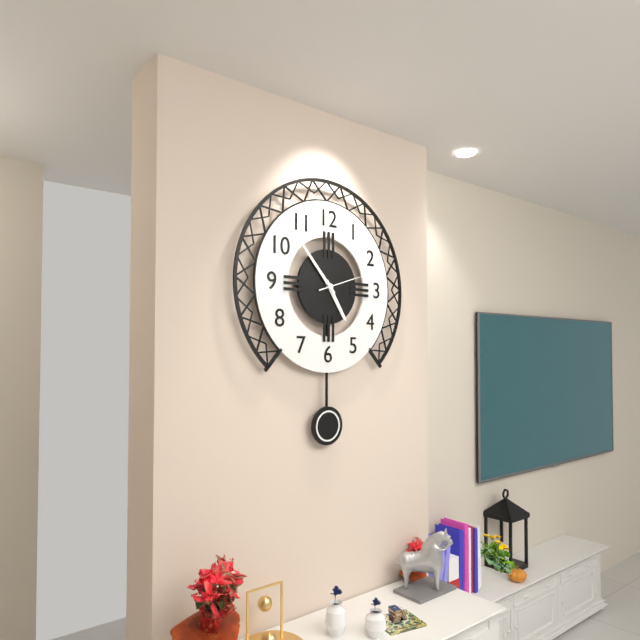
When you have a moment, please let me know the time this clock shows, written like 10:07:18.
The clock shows 4:53:12
